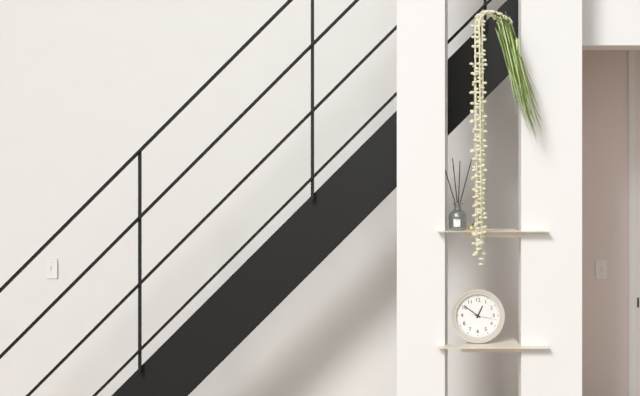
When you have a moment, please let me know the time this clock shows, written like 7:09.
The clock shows 12:51
